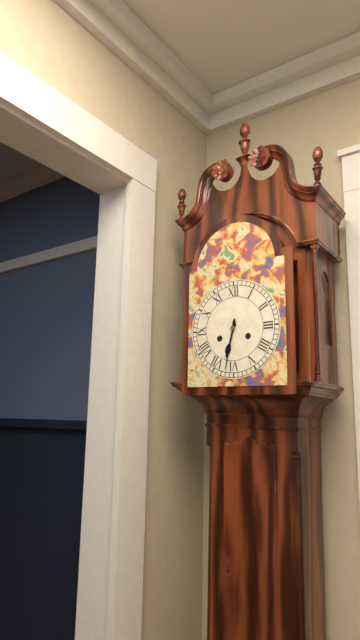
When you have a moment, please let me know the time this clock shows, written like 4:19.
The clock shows 6:32
